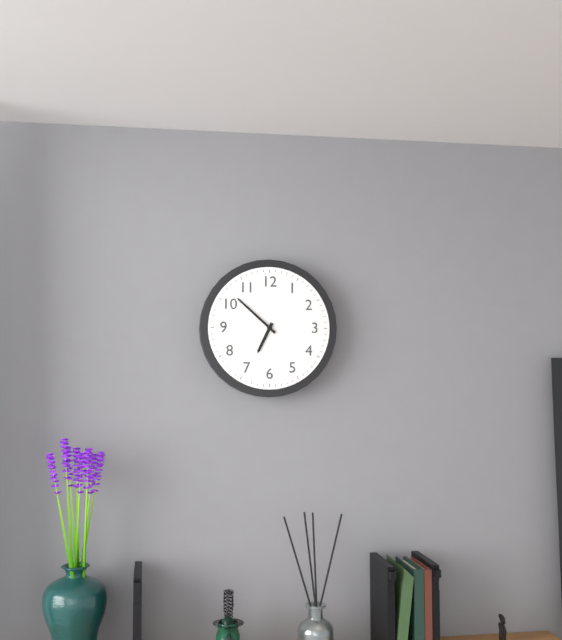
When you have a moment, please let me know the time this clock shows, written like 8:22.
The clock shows 6:52
